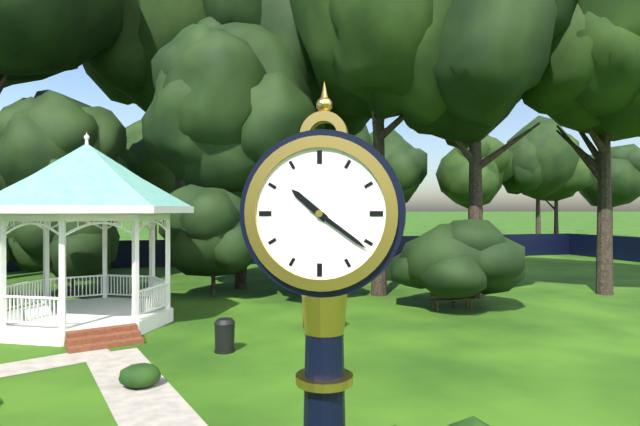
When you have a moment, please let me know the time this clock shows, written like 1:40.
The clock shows 10:21
